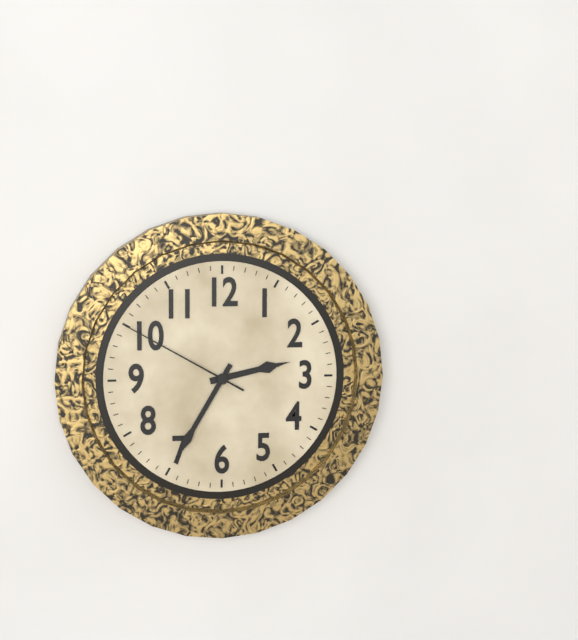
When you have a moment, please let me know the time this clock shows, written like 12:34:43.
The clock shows 2:35:50
